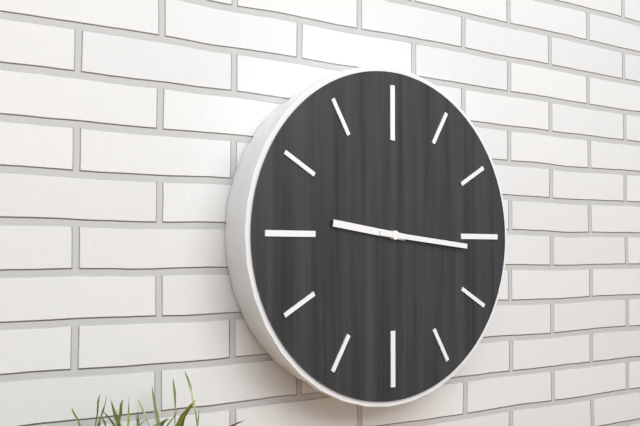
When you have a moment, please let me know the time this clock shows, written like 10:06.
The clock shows 9:16
